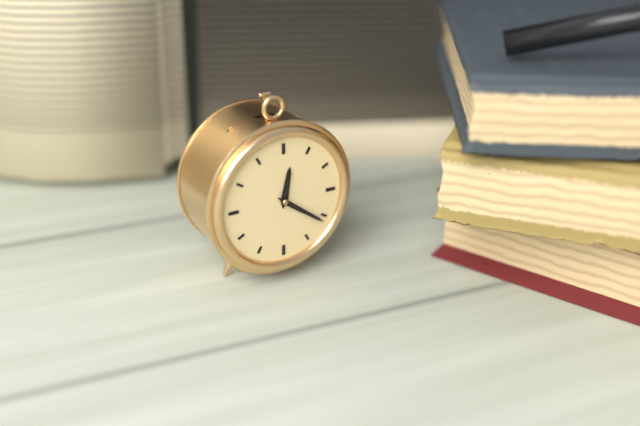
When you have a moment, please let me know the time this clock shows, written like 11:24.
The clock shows 12:21
